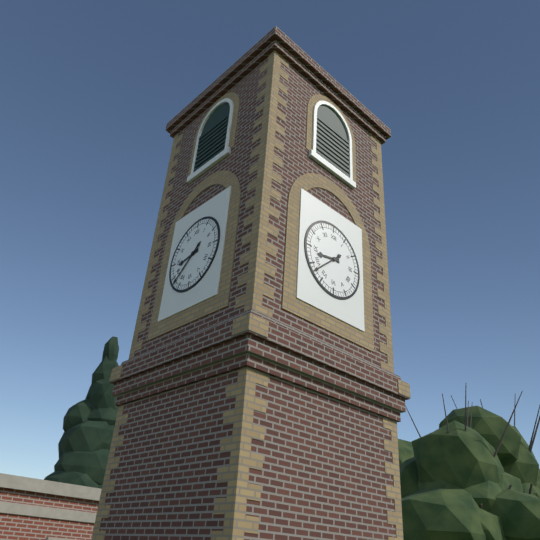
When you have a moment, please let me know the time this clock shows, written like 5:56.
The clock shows 8:38
